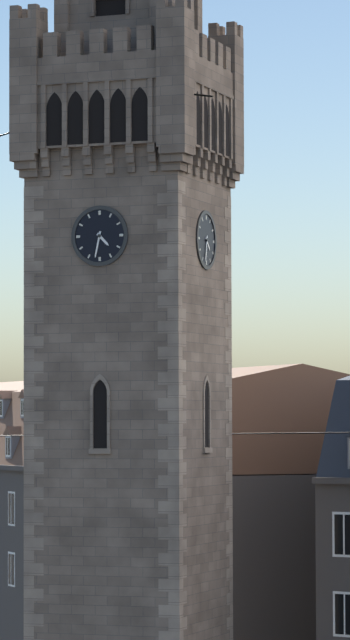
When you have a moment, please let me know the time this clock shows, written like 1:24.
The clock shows 4:32
